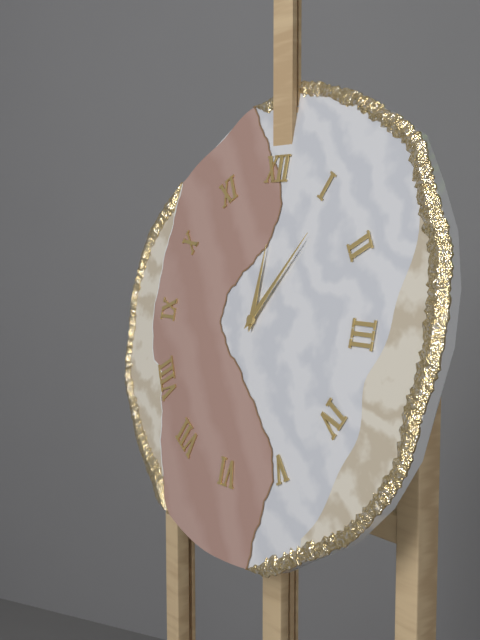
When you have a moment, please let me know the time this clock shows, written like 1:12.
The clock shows 12:06
